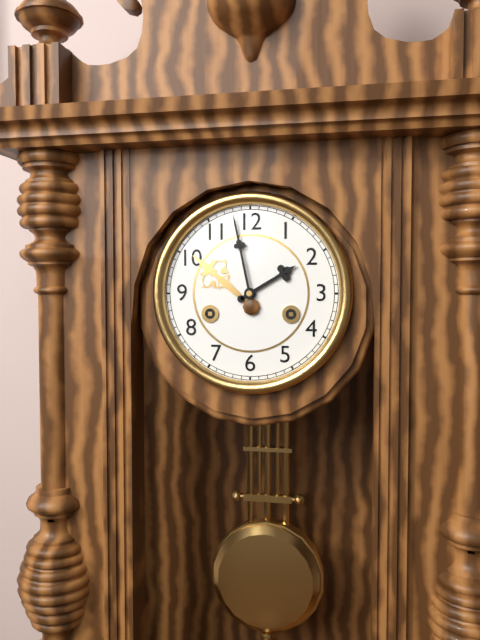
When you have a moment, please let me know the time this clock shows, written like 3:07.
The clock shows 1:58
